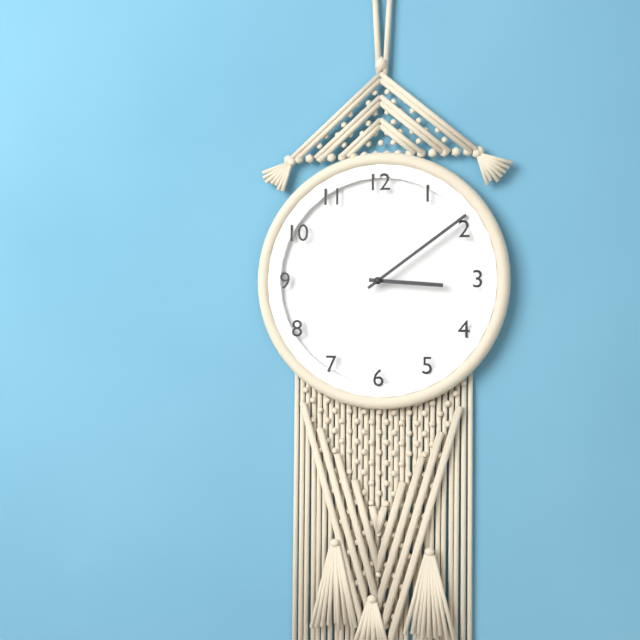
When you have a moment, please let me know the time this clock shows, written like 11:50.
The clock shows 3:09
